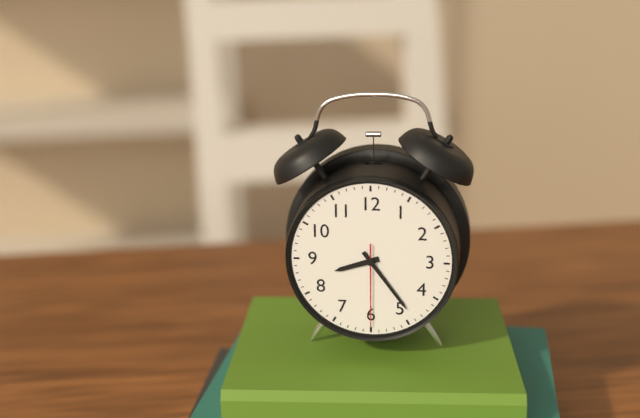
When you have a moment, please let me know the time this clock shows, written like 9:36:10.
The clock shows 8:24:30
